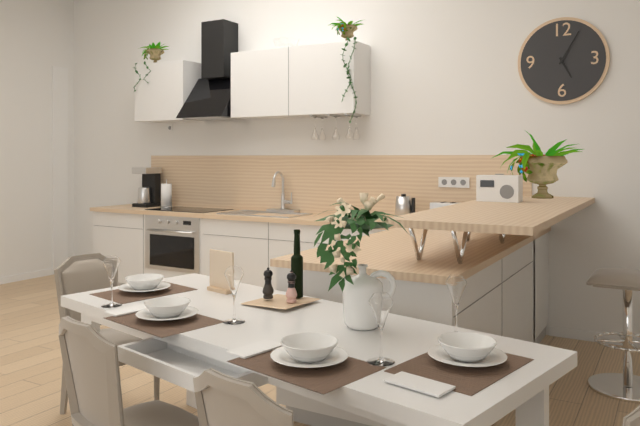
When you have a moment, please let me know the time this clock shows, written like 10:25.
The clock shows 5:05
